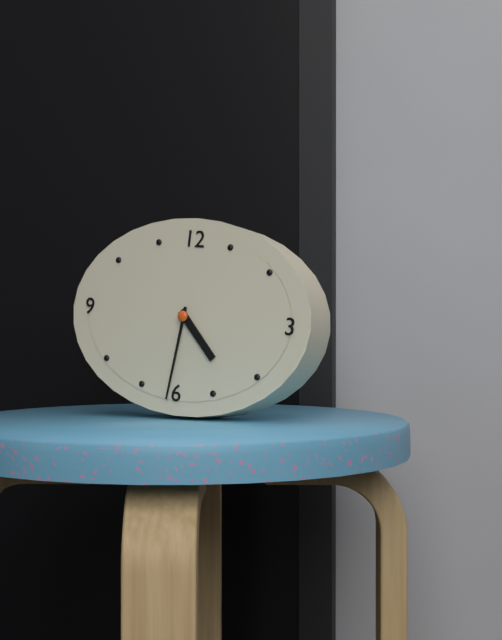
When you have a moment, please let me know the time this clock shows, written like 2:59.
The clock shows 4:31
